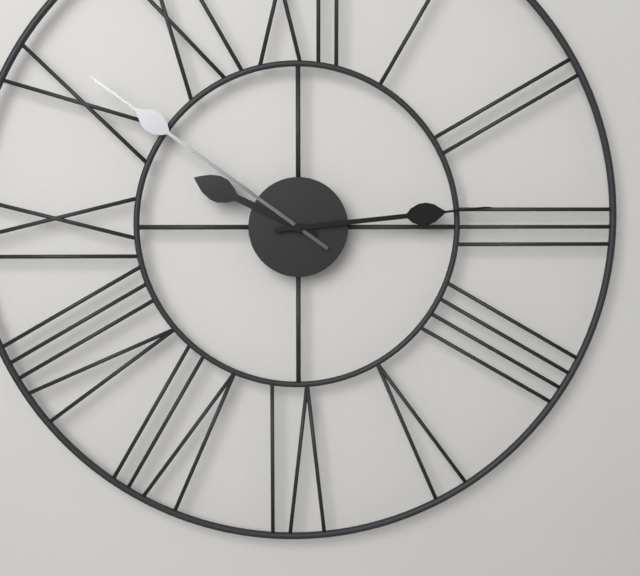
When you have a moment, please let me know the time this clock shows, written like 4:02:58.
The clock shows 9:51:14
